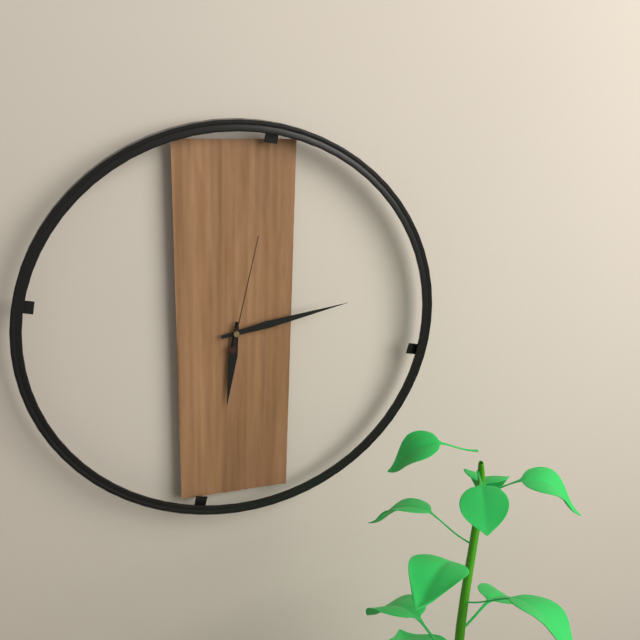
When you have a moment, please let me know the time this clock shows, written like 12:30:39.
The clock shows 6:13:02
